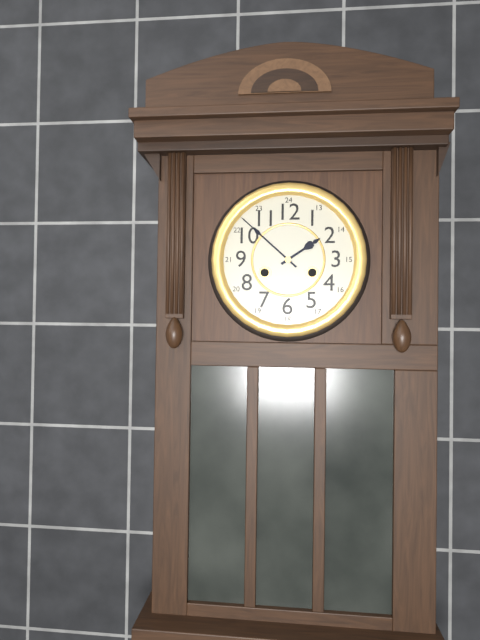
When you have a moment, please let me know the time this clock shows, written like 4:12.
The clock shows 1:52
